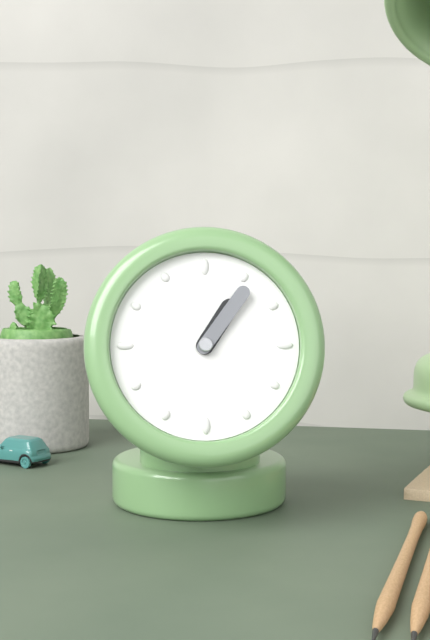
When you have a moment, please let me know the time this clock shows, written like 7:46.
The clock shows 1:06
